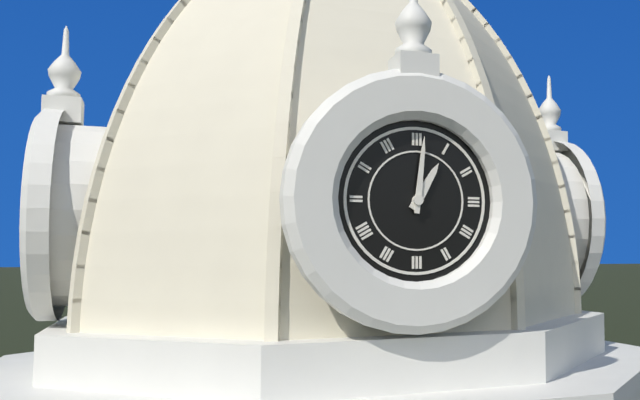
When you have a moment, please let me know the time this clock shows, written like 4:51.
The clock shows 1:01
